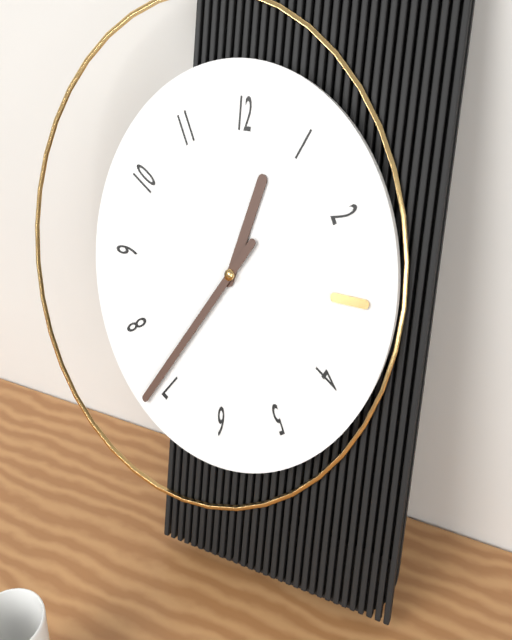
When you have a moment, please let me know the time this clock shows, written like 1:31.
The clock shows 12:36
